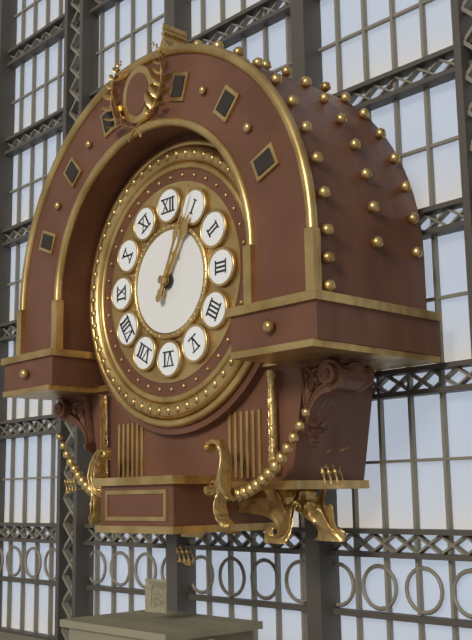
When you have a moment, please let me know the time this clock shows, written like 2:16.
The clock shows 1:04
